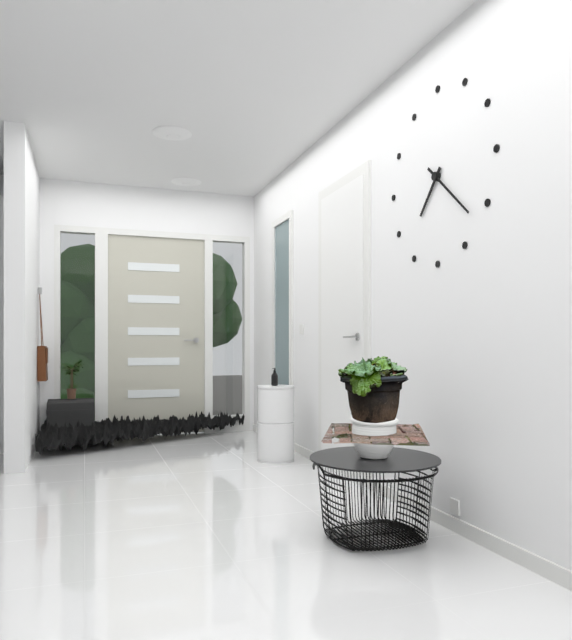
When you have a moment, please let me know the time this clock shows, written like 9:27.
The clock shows 7:22
